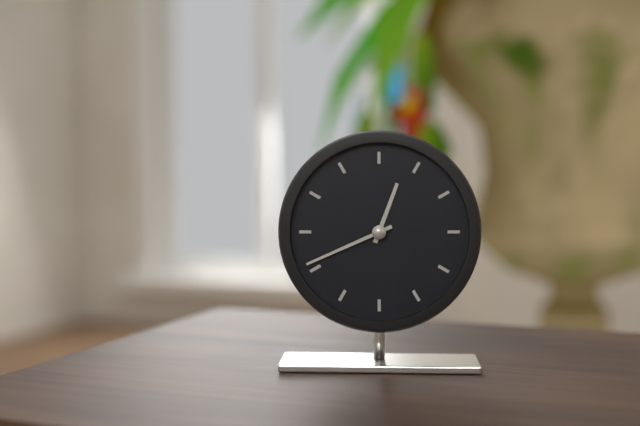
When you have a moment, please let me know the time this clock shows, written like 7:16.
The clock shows 12:41
